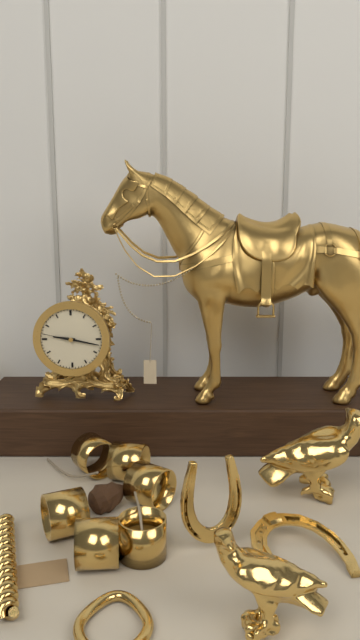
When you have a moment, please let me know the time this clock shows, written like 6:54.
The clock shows 9:17
